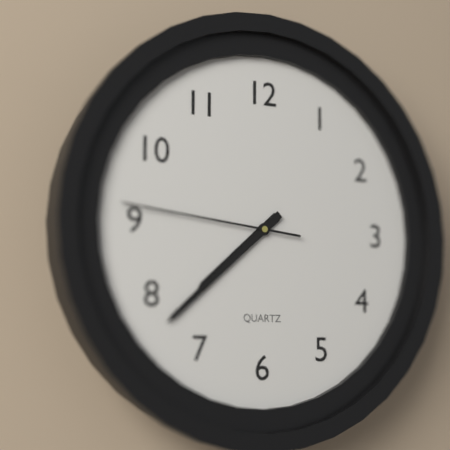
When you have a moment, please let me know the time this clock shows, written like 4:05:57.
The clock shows 7:38:46
